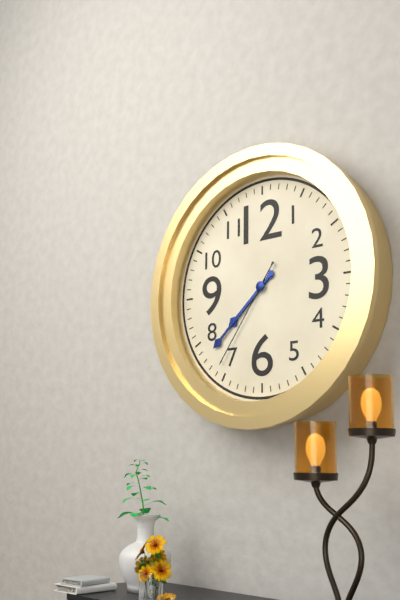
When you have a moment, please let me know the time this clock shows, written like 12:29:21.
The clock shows 7:38:36
